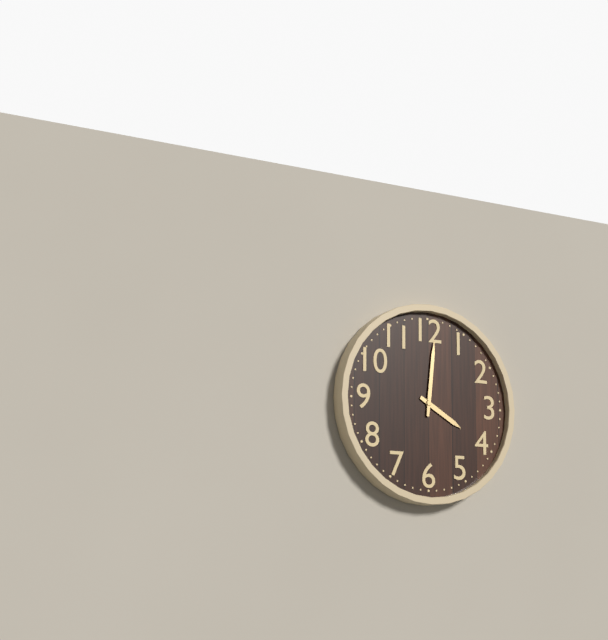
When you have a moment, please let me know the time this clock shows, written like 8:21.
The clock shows 4:01
